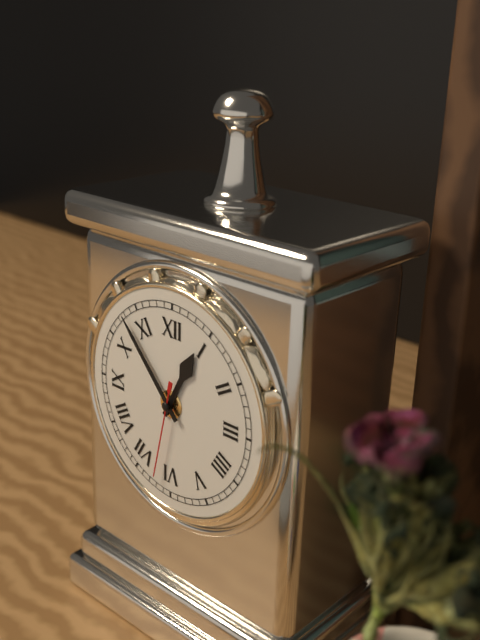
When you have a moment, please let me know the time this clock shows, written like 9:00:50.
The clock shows 12:53:32
